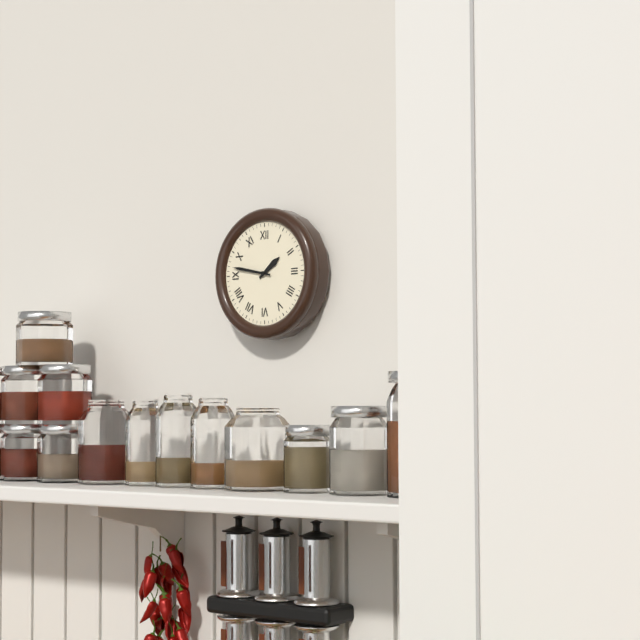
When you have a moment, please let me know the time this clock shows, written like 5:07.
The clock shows 1:47
